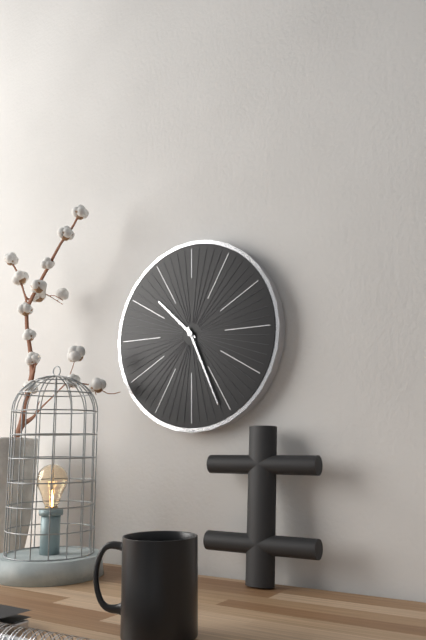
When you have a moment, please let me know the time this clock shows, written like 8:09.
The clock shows 10:26
